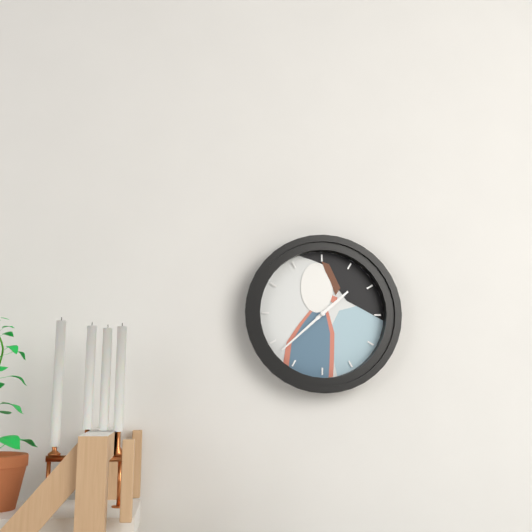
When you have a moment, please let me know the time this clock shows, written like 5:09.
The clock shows 1:38
